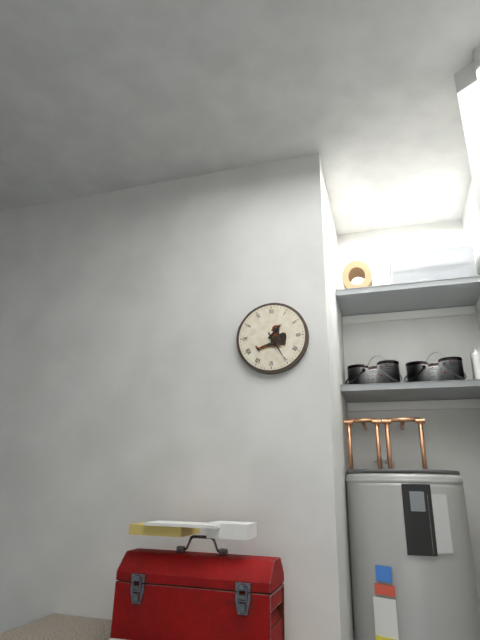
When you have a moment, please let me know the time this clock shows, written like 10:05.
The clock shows 1:25
